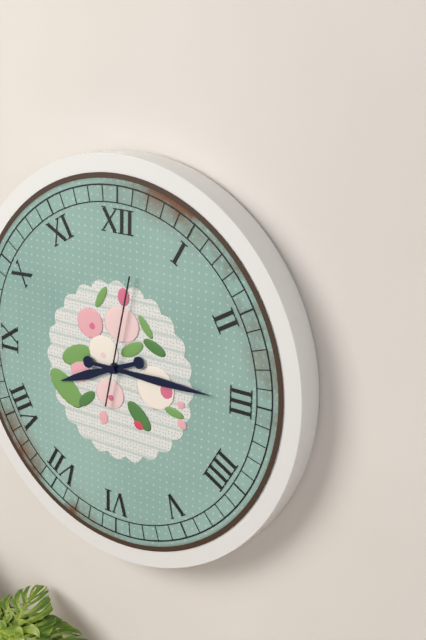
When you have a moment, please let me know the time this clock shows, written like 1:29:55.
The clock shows 8:15:02
